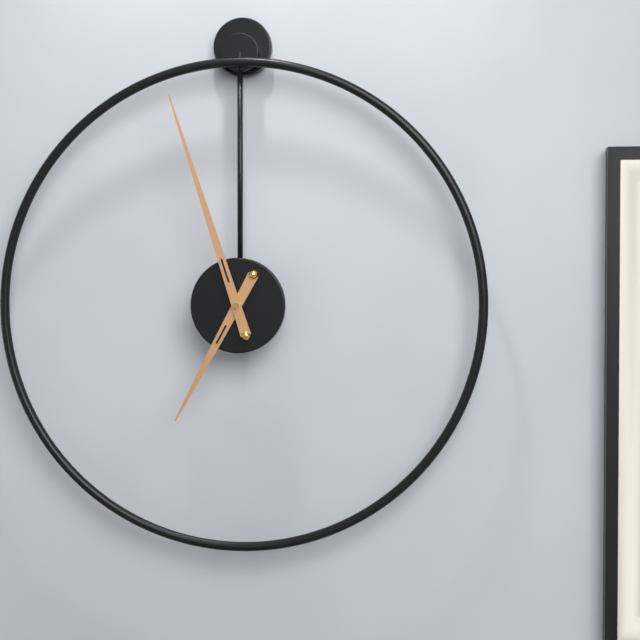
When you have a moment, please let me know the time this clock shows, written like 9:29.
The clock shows 6:57
